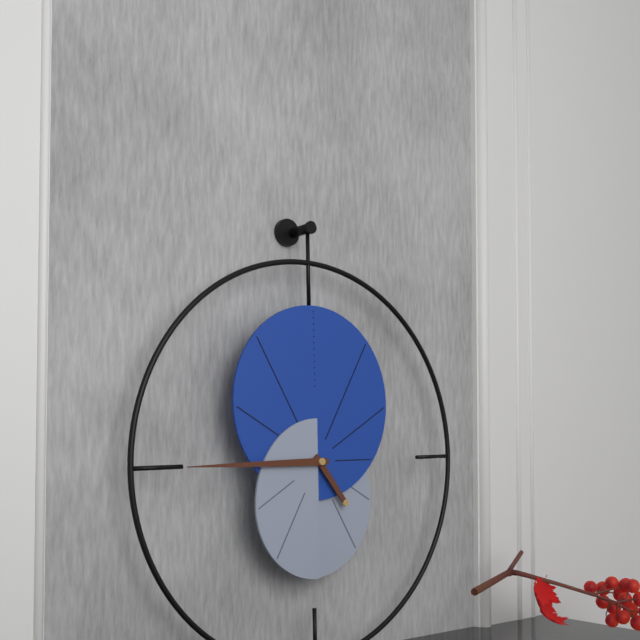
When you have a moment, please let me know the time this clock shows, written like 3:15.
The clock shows 4:45
